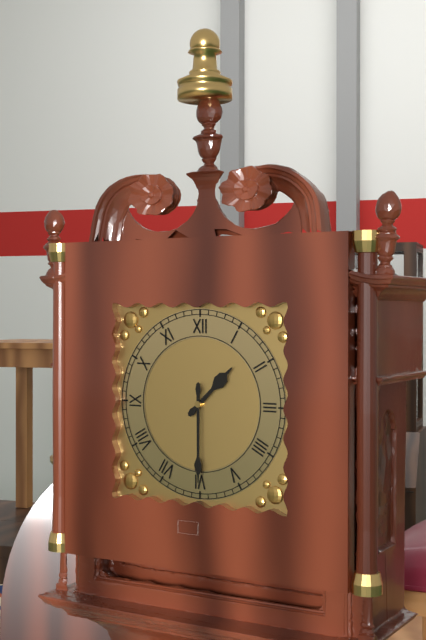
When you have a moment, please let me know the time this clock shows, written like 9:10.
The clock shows 1:30
